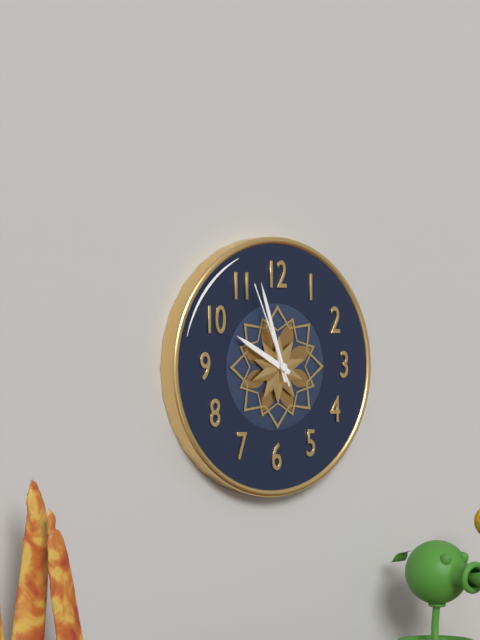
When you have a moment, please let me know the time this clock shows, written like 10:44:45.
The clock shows 9:57:56
